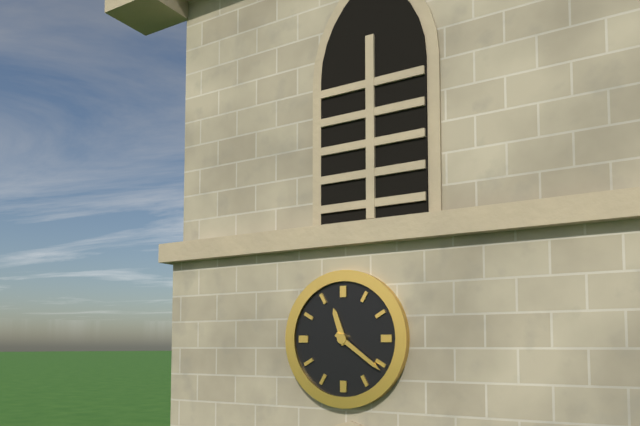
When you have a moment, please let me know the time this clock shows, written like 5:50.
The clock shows 11:21
